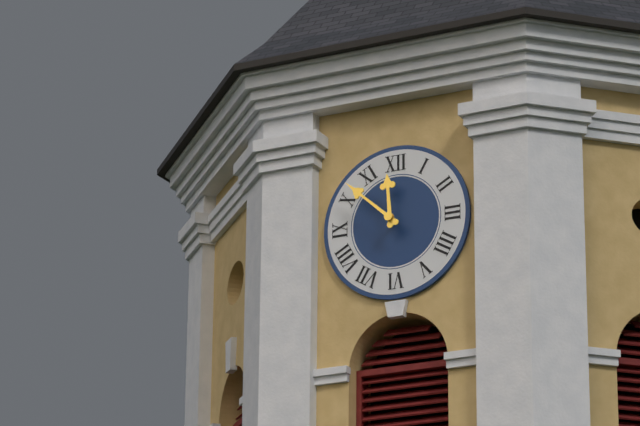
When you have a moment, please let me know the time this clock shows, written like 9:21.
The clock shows 11:52
